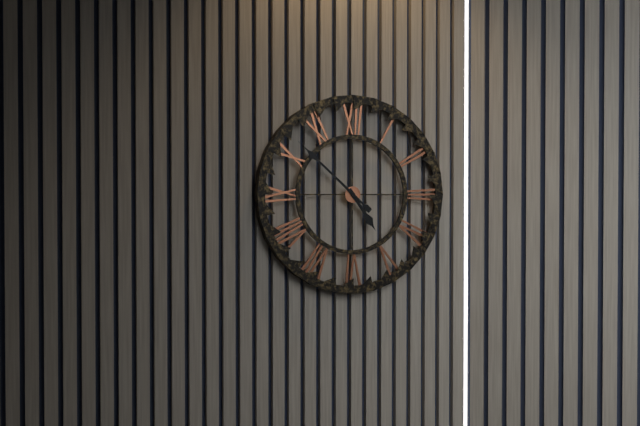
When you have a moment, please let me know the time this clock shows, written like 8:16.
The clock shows 4:52
